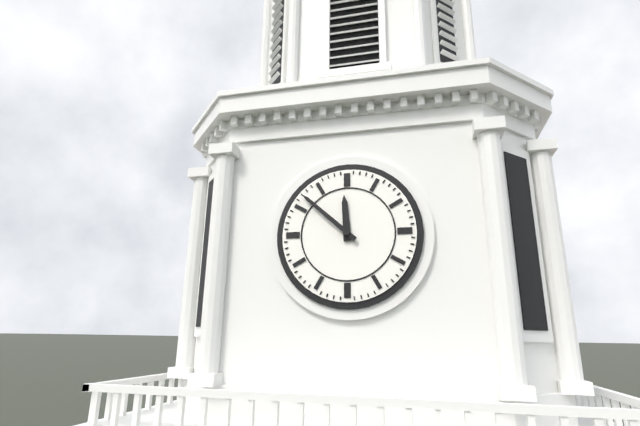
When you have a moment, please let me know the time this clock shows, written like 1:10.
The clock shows 11:52
